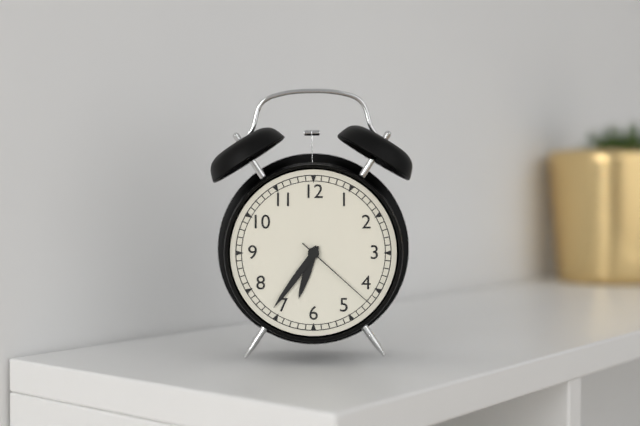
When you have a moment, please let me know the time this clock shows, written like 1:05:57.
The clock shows 6:36:22
